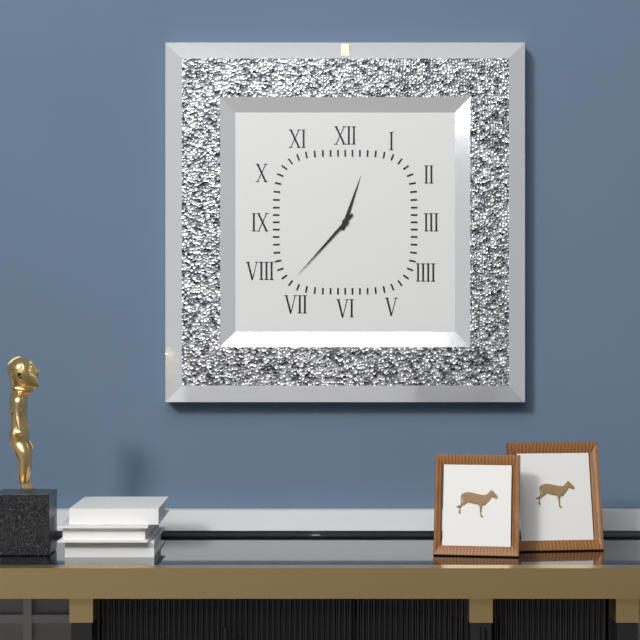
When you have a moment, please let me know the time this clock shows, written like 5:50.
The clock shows 12:37
